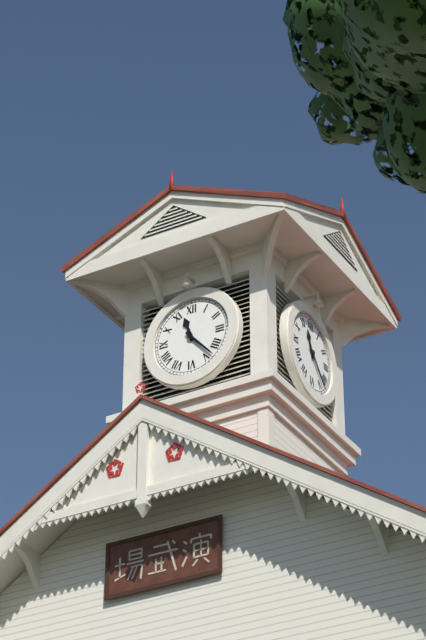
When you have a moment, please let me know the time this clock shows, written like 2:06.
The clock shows 11:23
